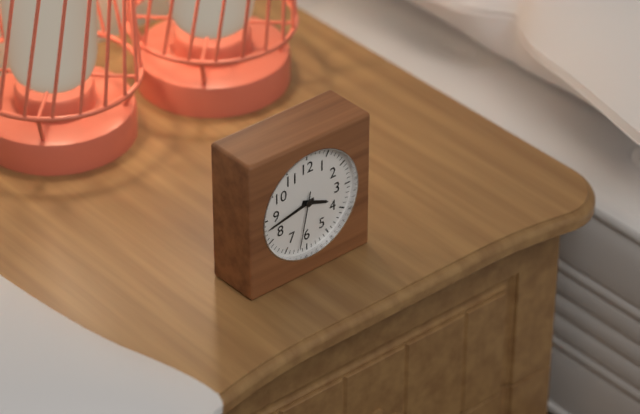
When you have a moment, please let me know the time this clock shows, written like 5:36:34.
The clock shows 3:43:32
